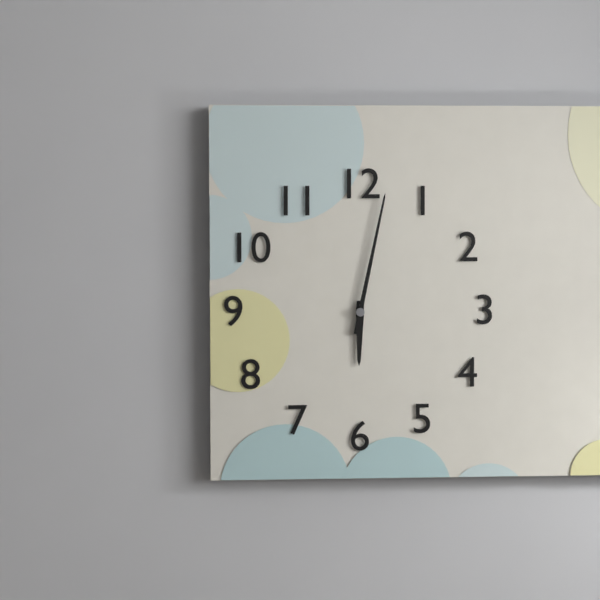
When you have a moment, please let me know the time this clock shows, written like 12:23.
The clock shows 6:02
